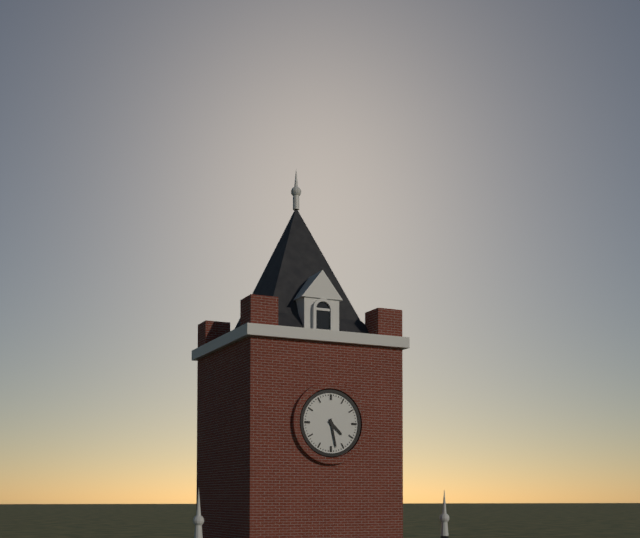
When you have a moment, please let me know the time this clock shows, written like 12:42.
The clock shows 4:28
